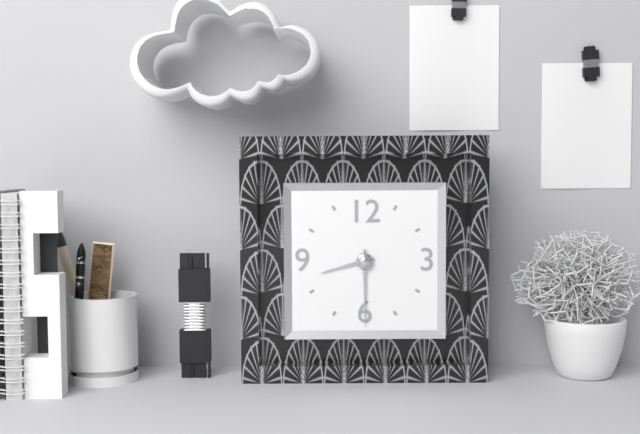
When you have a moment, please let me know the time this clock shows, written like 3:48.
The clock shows 8:30
